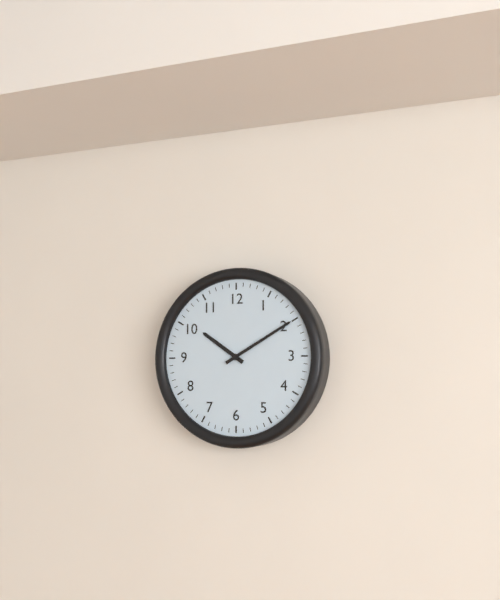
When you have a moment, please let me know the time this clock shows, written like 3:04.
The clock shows 10:10
